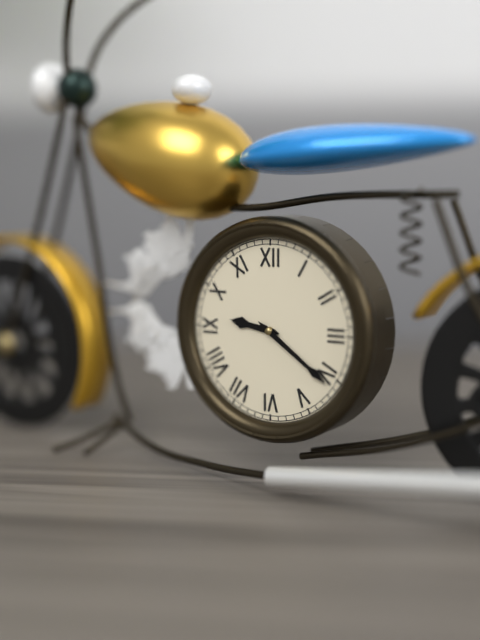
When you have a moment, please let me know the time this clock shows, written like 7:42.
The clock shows 9:21
